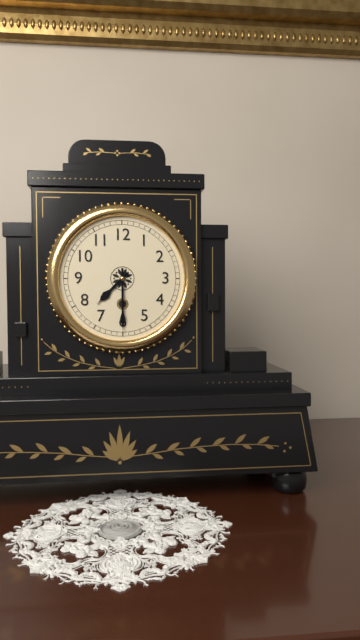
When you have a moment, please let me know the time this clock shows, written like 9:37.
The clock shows 7:30
